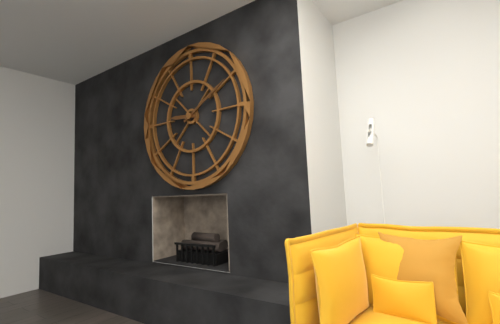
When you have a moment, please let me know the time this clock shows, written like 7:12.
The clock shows 9:10
